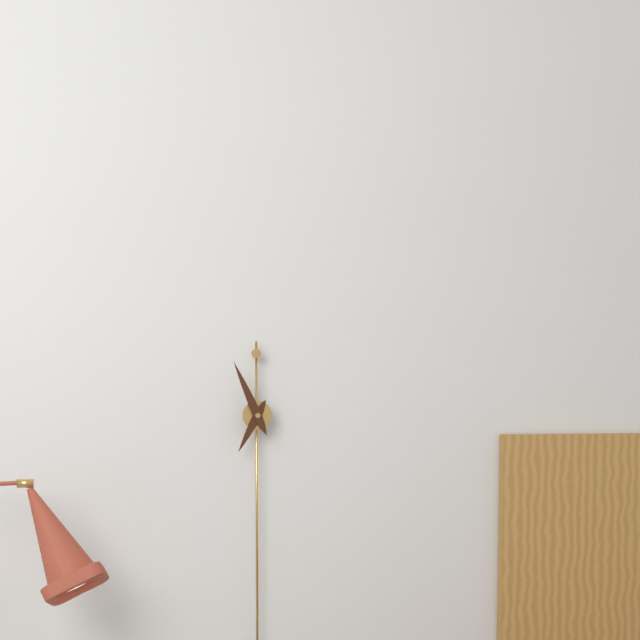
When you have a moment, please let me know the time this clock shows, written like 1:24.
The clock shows 6:56
